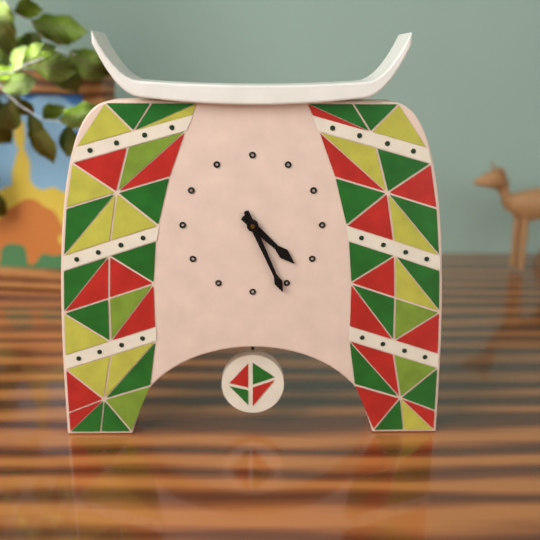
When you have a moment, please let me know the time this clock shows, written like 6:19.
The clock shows 4:26
